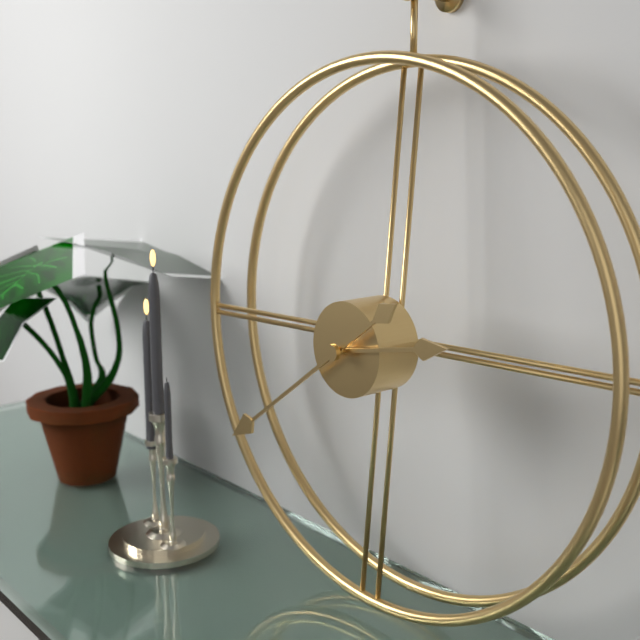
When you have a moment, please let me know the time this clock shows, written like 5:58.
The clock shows 2:39
